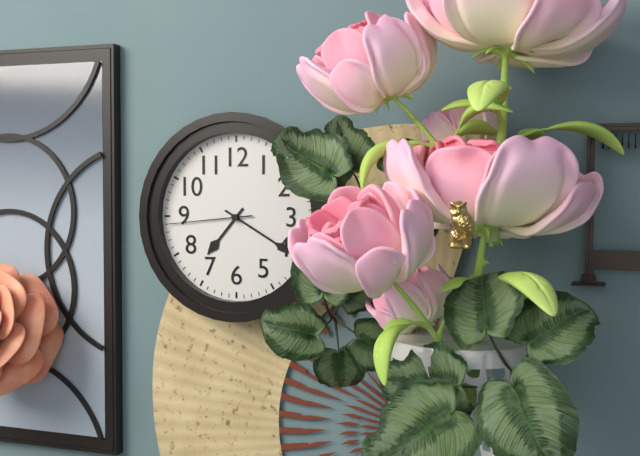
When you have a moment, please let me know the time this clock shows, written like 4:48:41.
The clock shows 7:20:44
